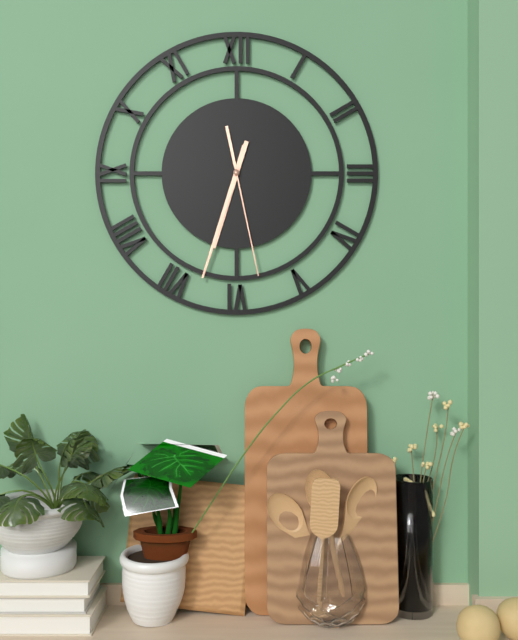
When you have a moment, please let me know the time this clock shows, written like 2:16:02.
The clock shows 6:33:28
